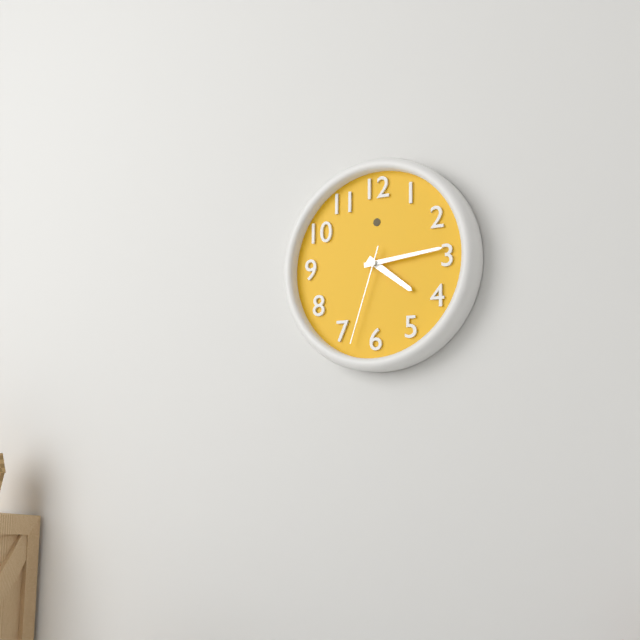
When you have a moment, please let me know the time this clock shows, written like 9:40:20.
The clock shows 4:14:33
